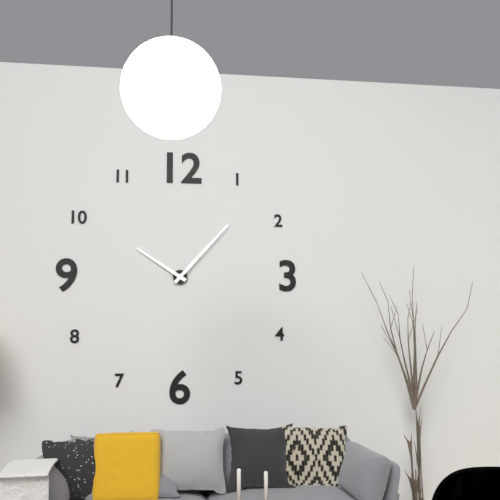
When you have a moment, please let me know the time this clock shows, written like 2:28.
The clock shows 10:07
